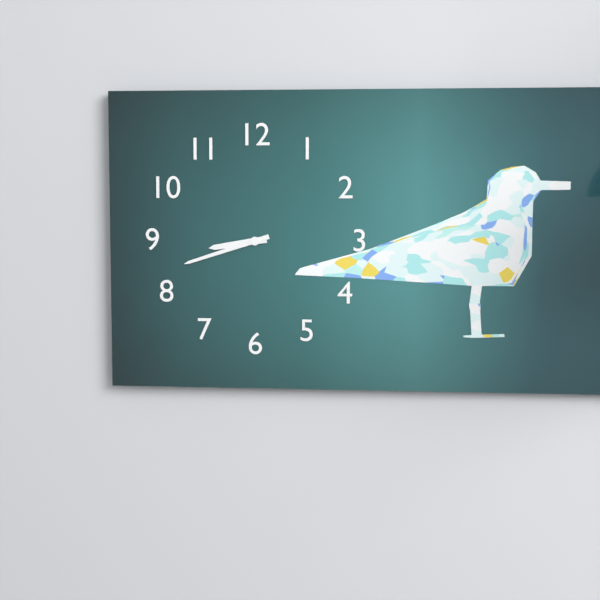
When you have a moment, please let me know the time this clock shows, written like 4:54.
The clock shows 8:42
